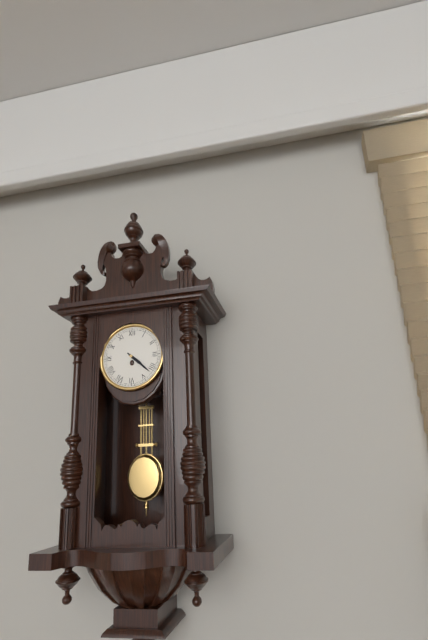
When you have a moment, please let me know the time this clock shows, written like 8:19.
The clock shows 4:22
